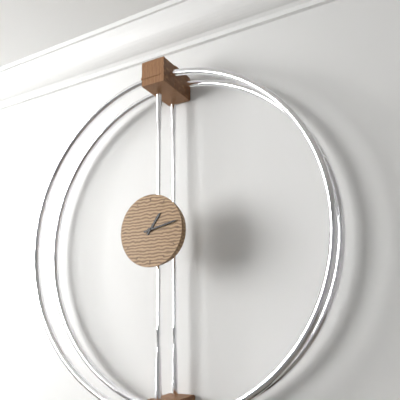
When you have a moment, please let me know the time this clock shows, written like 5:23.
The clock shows 1:13
